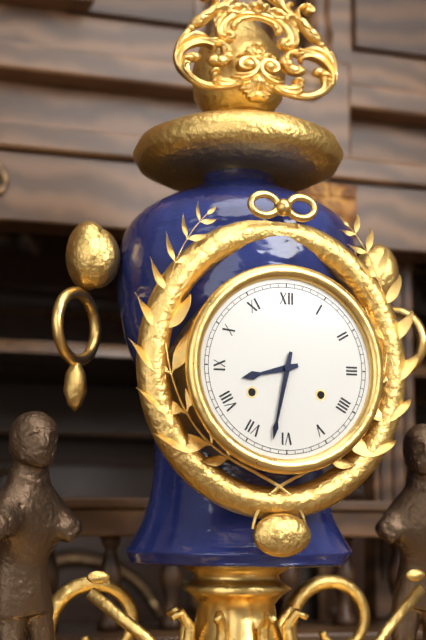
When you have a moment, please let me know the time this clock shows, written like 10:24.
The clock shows 8:32
